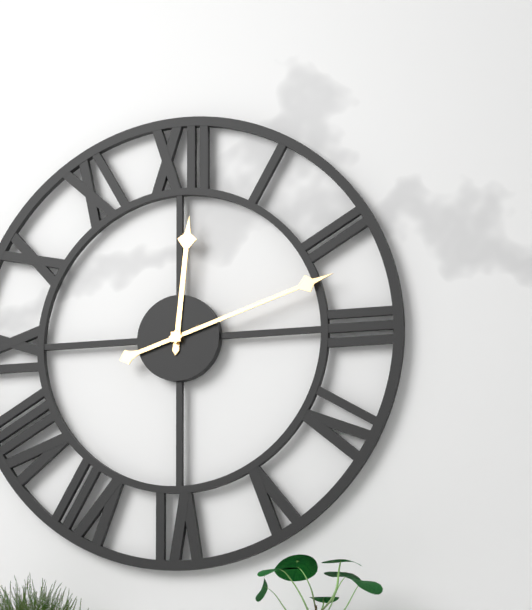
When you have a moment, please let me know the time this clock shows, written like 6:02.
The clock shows 12:12
